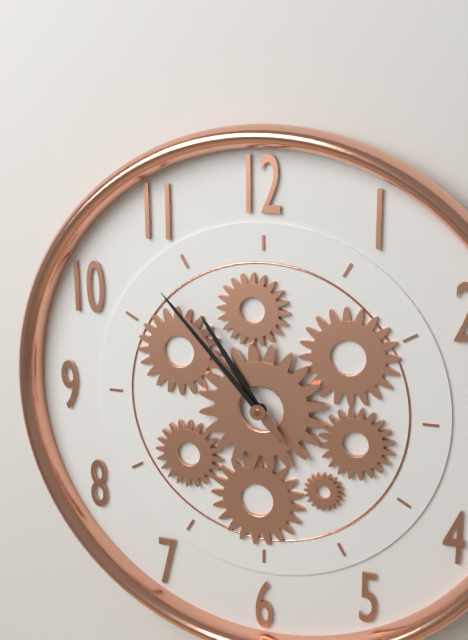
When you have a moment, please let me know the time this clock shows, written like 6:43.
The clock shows 10:53
